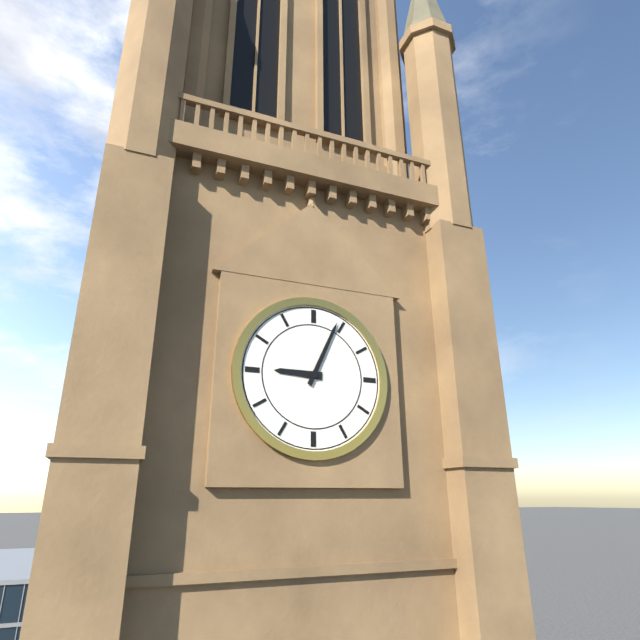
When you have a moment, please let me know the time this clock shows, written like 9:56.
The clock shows 9:04
